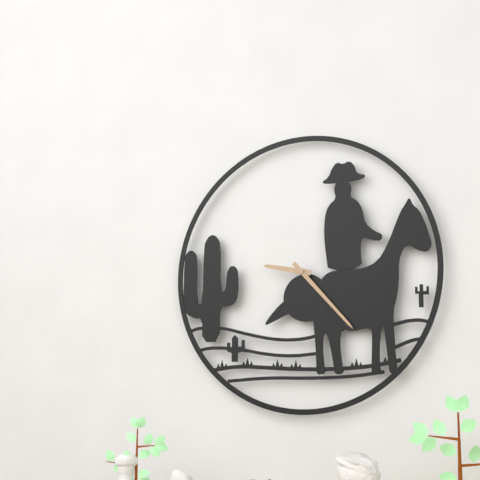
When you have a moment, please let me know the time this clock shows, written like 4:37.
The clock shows 9:23
